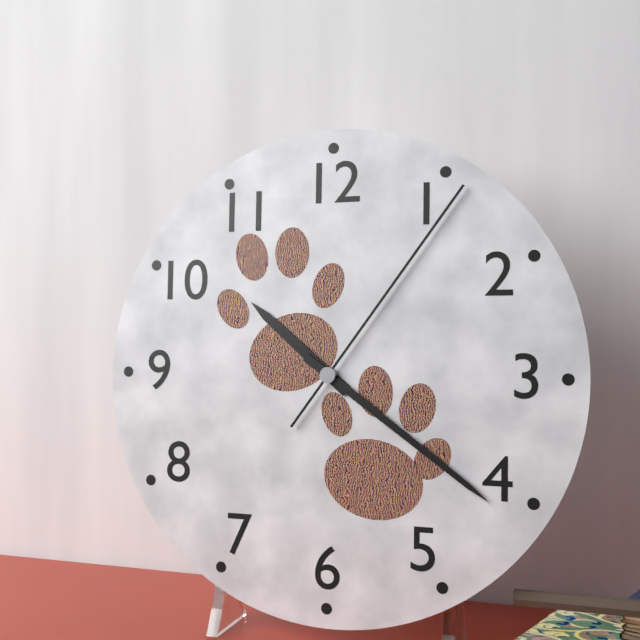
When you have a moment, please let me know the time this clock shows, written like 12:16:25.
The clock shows 10:21:06
